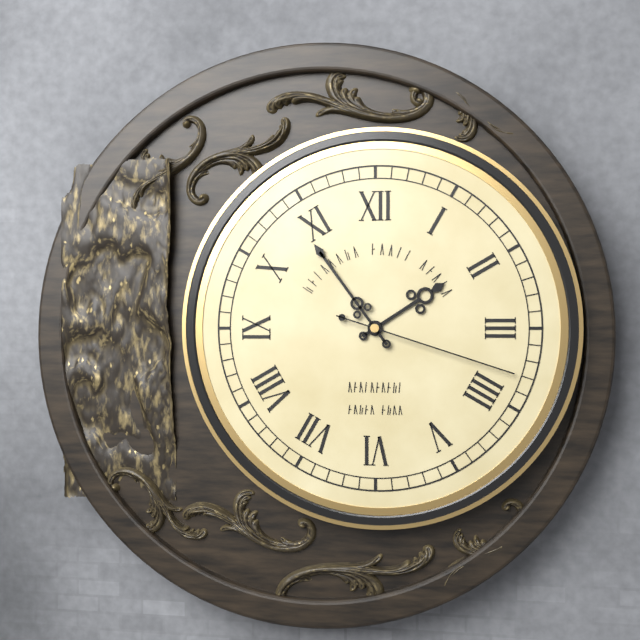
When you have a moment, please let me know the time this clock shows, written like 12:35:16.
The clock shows 1:54:18
